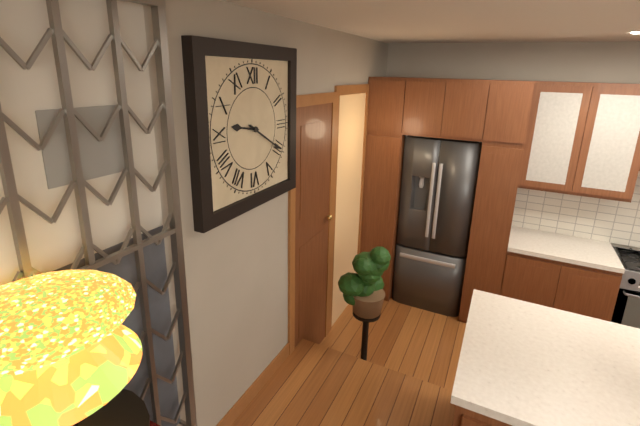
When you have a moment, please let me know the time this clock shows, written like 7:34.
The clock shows 9:20
